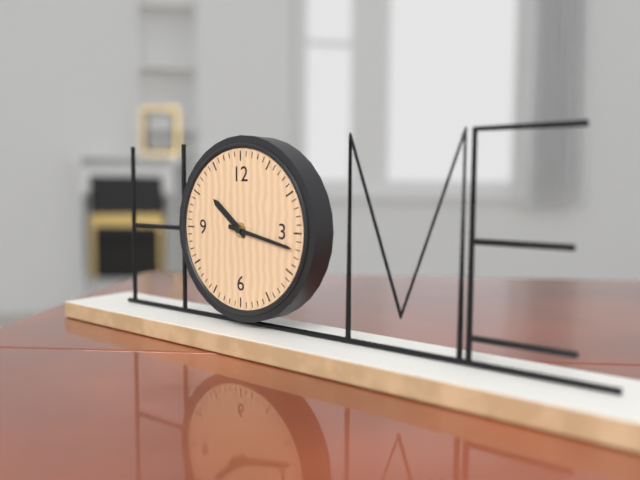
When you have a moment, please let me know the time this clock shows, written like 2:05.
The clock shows 10:17
